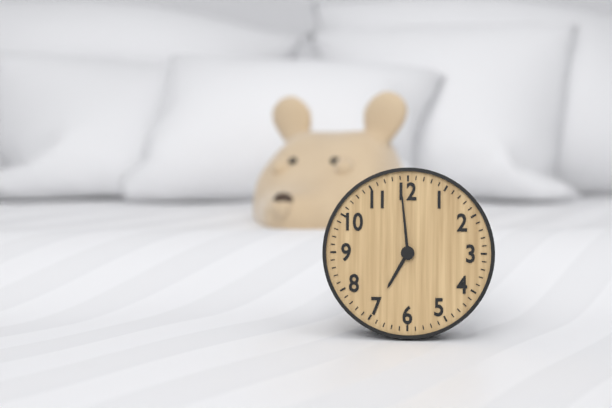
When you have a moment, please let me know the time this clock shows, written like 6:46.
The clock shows 6:59
